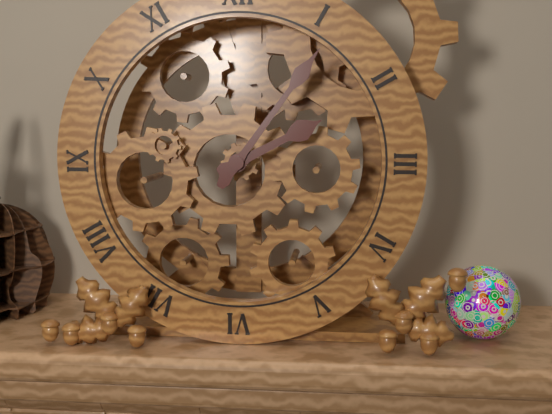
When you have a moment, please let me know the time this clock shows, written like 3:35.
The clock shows 2:06
